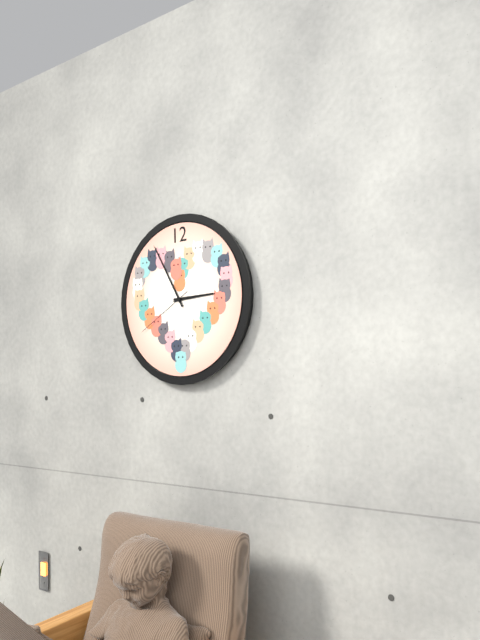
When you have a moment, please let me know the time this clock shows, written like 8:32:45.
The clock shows 2:55:40
